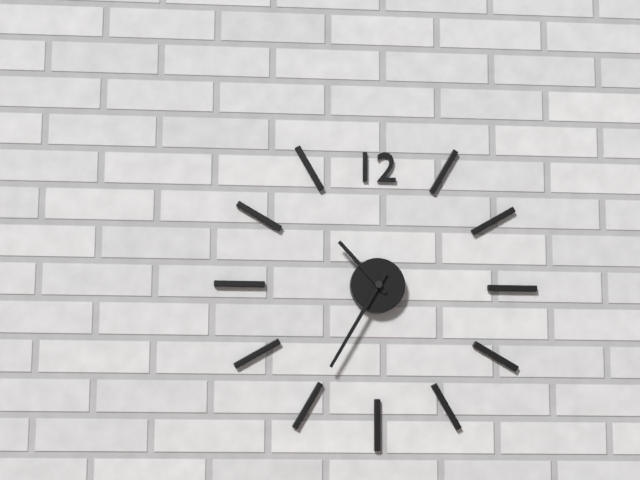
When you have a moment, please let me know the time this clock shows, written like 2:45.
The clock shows 10:35
